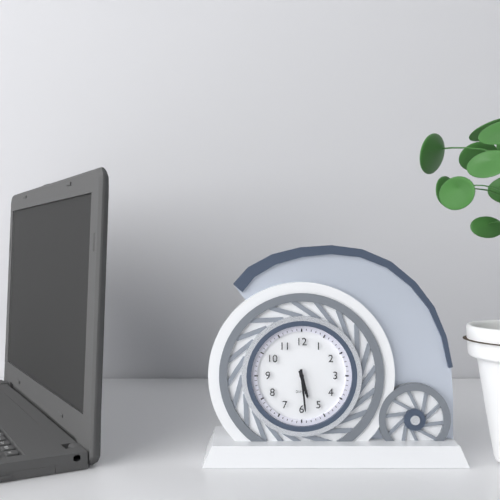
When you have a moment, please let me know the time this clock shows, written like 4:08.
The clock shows 5:29
